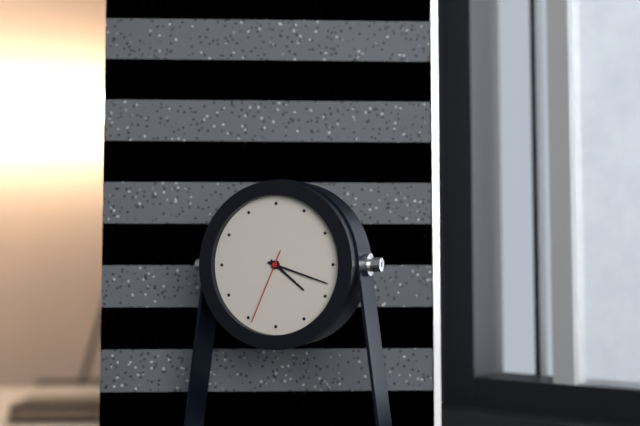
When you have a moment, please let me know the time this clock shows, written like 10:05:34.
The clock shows 4:18:34
